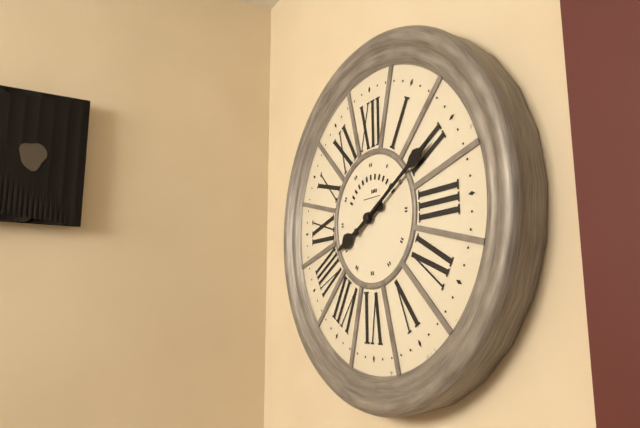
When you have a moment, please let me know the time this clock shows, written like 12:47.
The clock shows 8:10
